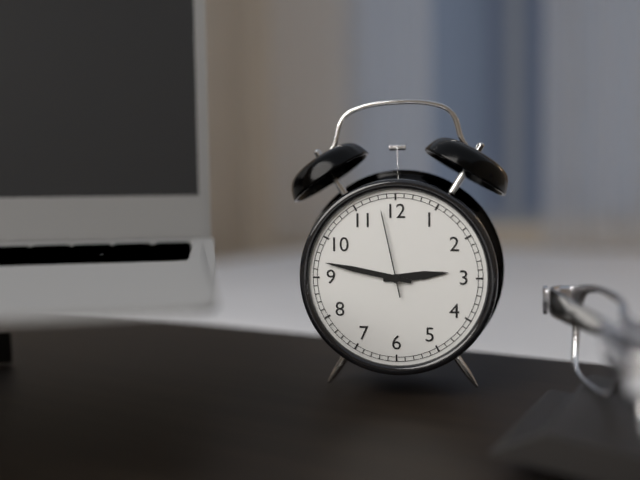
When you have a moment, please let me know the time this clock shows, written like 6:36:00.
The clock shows 2:47:58
